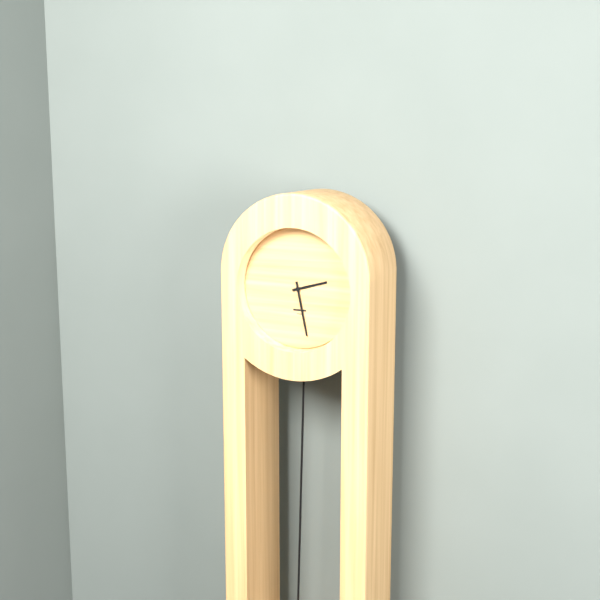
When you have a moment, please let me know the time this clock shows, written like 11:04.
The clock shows 2:28
